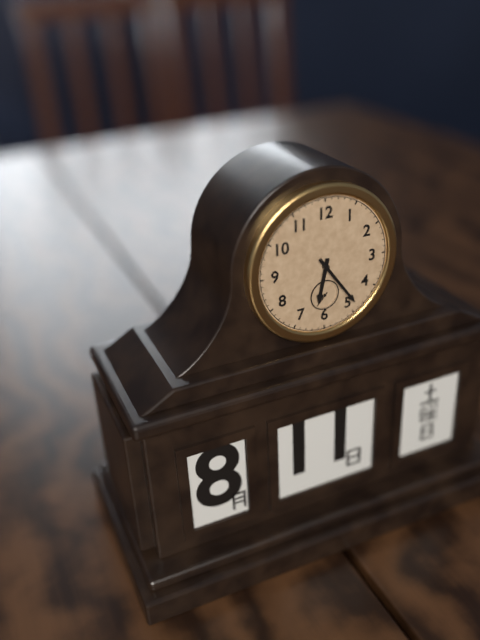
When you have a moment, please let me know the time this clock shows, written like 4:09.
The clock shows 6:24
